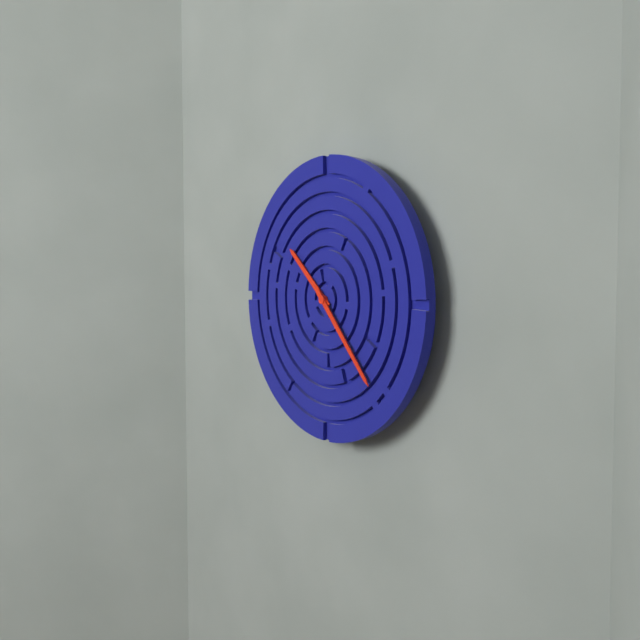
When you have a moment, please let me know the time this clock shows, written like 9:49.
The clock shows 10:23
